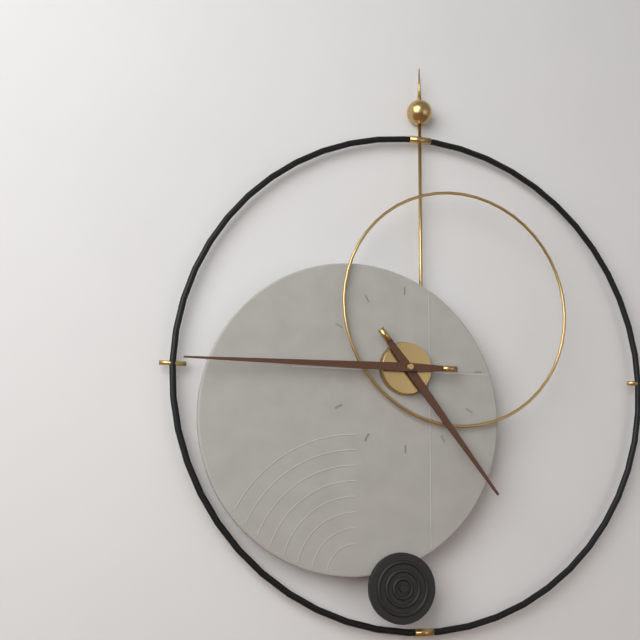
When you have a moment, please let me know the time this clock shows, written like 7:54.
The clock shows 4:45
